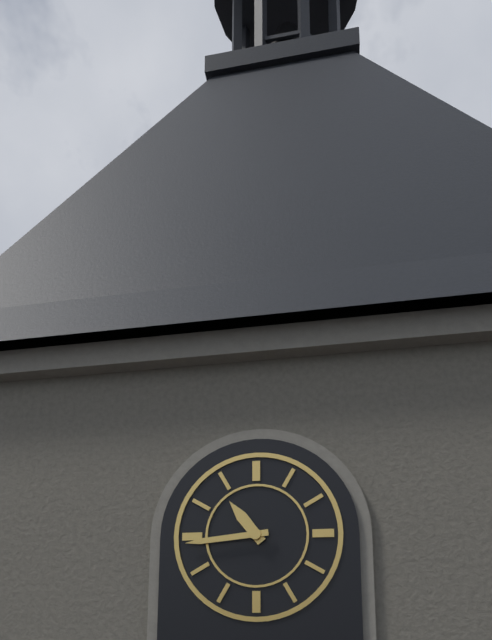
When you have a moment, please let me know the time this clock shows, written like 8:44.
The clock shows 10:44
